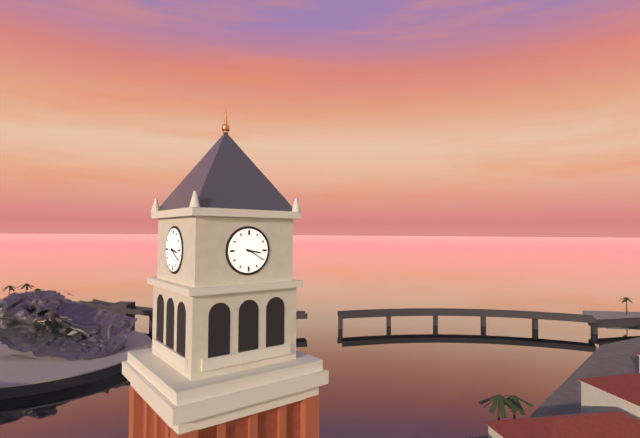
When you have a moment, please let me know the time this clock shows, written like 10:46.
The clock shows 3:20
